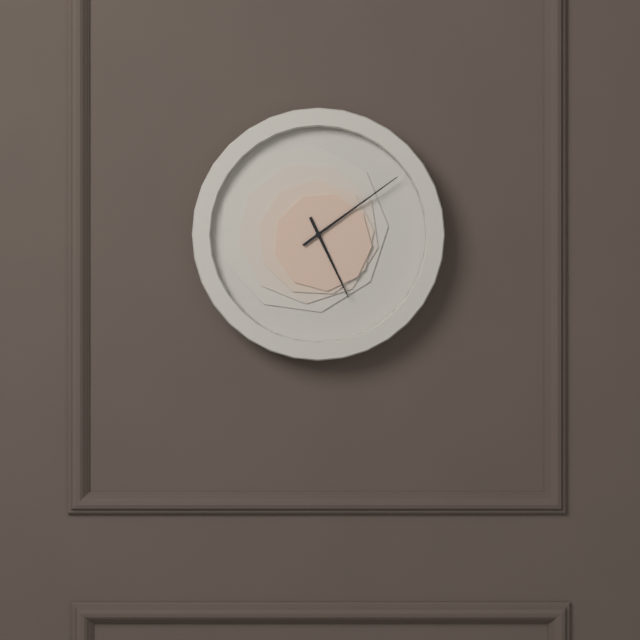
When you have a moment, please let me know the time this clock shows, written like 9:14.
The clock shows 5:09
